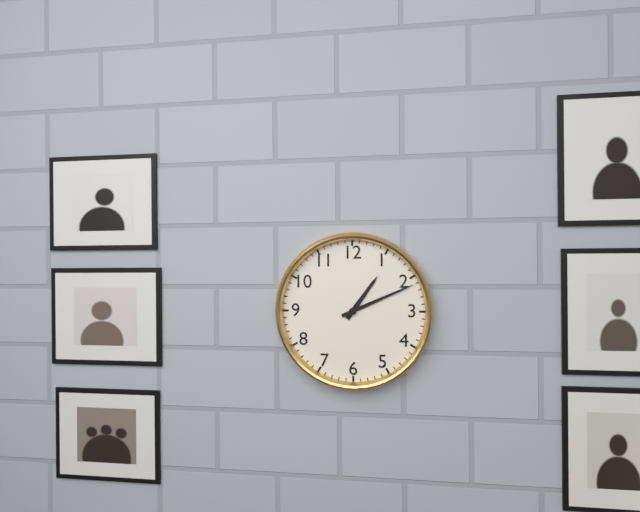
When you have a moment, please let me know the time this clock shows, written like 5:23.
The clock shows 1:11
